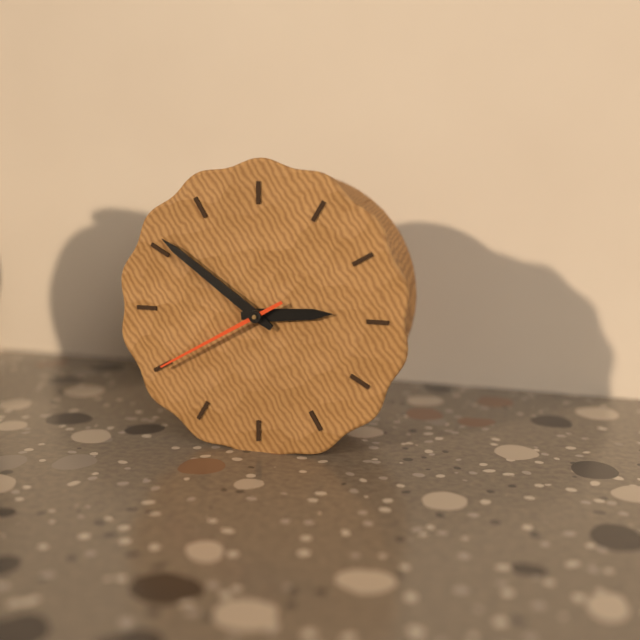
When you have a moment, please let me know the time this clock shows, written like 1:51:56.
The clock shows 2:51:40
